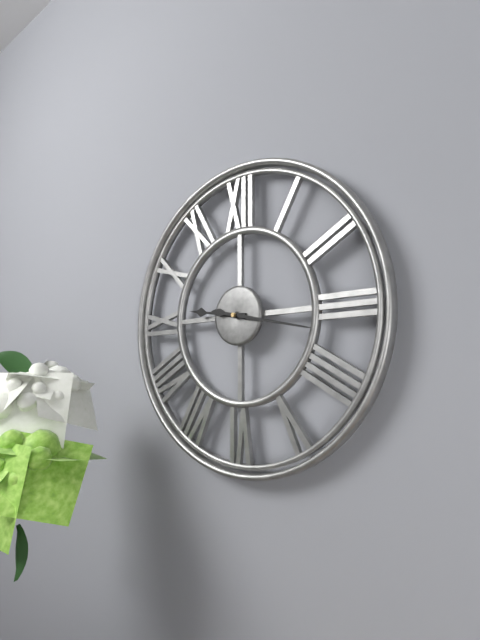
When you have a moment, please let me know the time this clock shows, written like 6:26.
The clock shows 9:17
